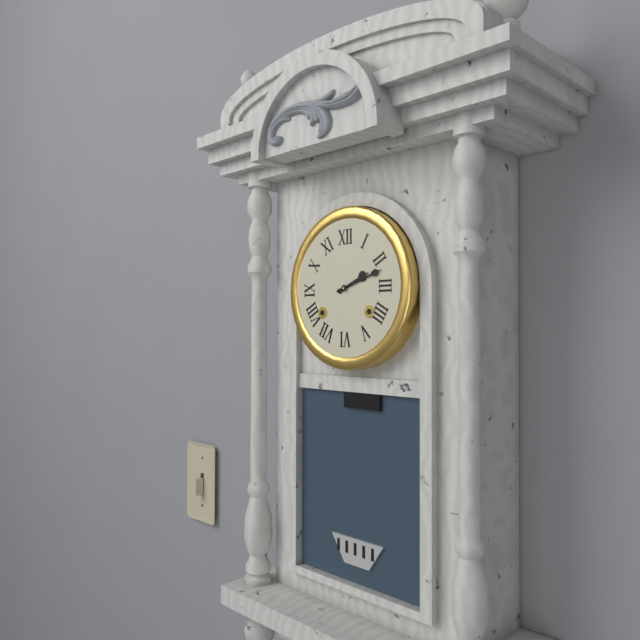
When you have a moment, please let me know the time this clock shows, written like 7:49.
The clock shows 2:12
